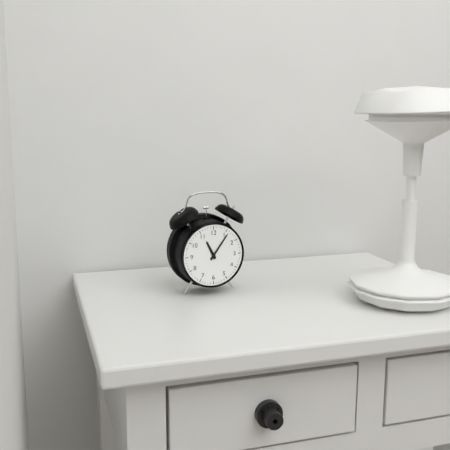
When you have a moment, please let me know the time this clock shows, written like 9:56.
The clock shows 11:06
